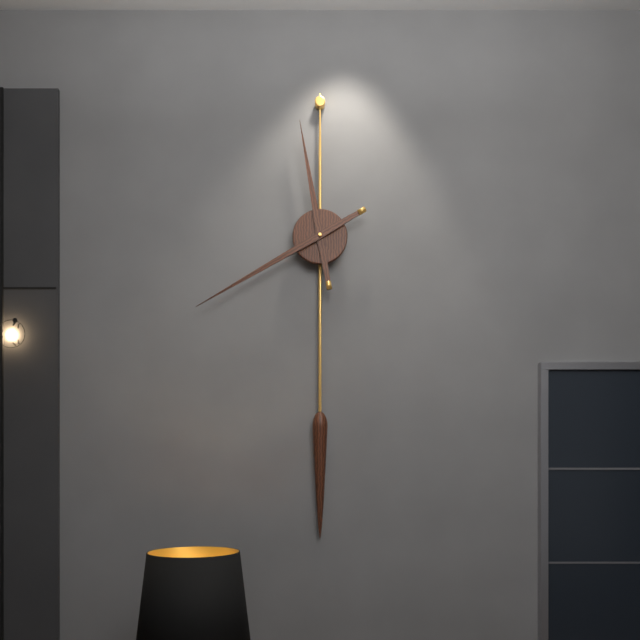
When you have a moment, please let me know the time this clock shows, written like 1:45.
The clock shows 11:40
